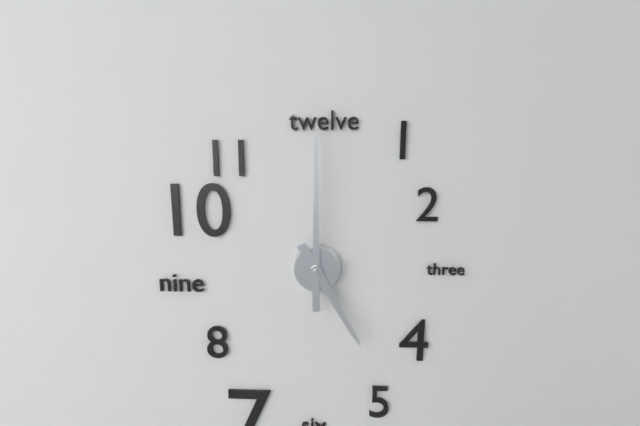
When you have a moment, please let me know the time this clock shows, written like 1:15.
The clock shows 5:00
